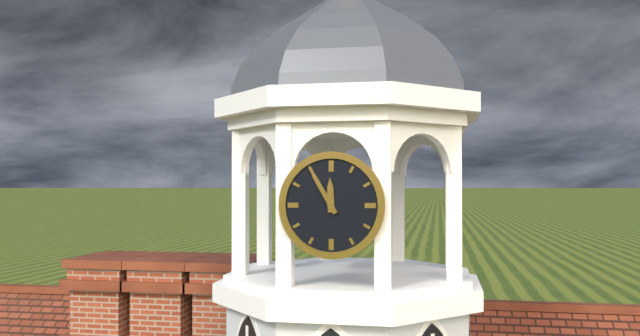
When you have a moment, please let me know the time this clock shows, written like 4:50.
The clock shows 11:55
